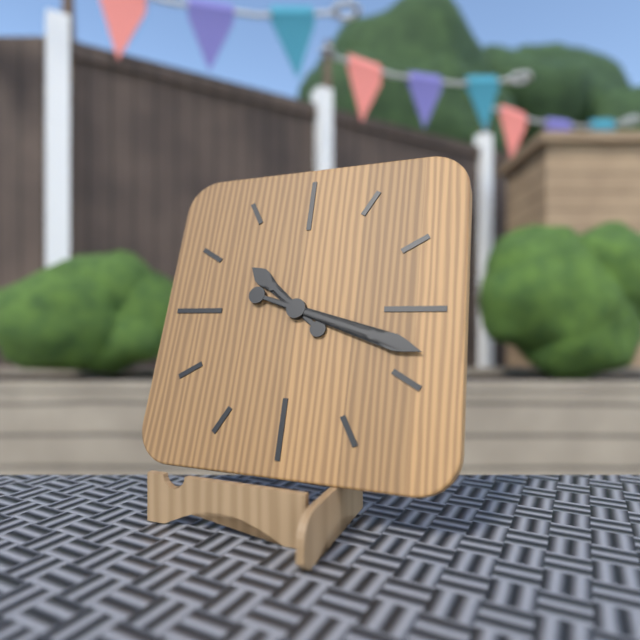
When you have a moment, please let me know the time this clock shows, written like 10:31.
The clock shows 10:18
